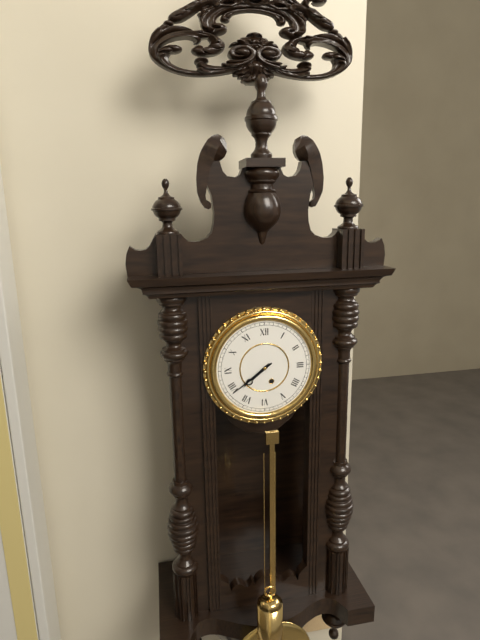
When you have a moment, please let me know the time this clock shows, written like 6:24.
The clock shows 7:39
